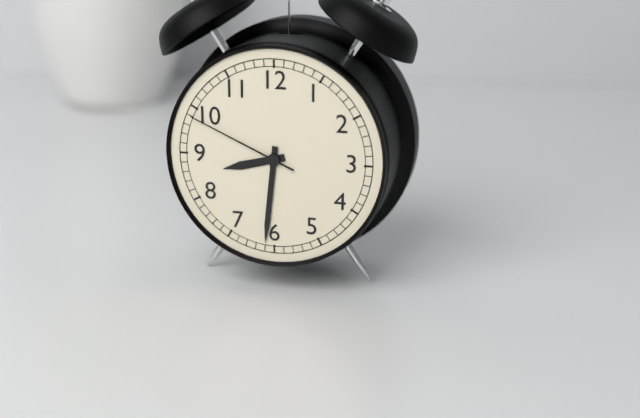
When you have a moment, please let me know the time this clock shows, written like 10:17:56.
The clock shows 8:31:49
